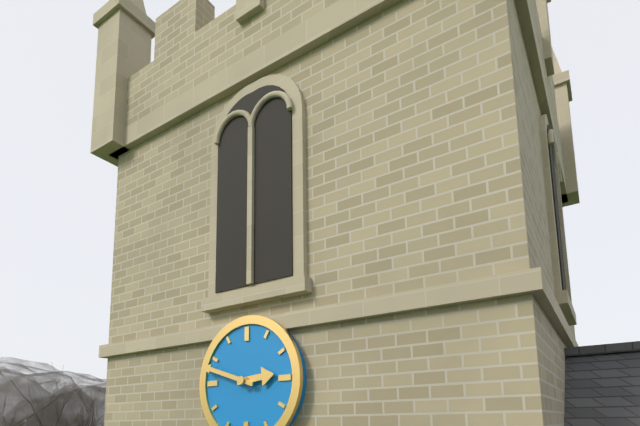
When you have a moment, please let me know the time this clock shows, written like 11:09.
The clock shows 2:48
